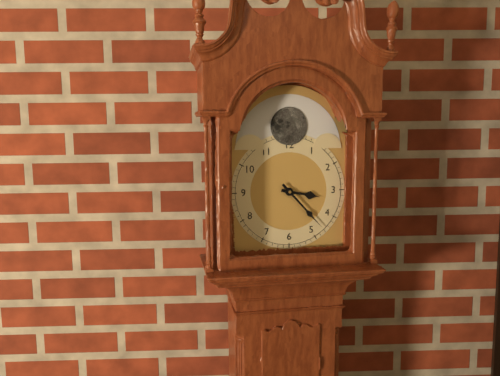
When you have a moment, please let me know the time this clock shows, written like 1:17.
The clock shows 3:23
